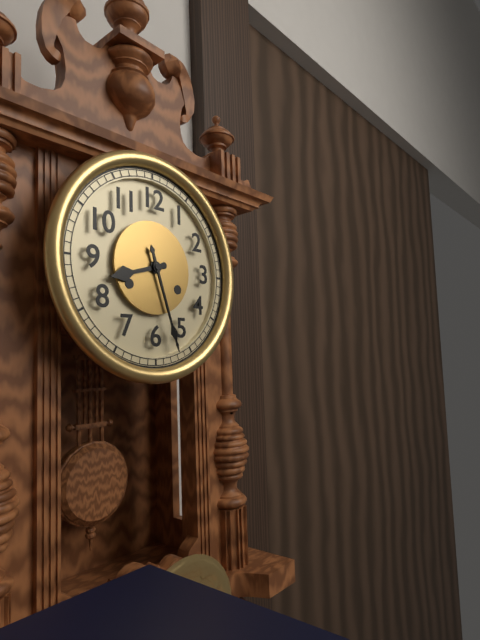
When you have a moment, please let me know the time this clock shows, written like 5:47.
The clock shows 8:27
